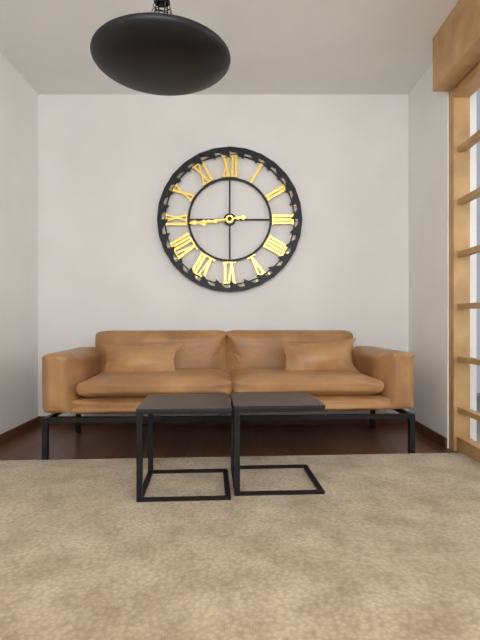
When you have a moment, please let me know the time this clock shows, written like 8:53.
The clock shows 8:44
